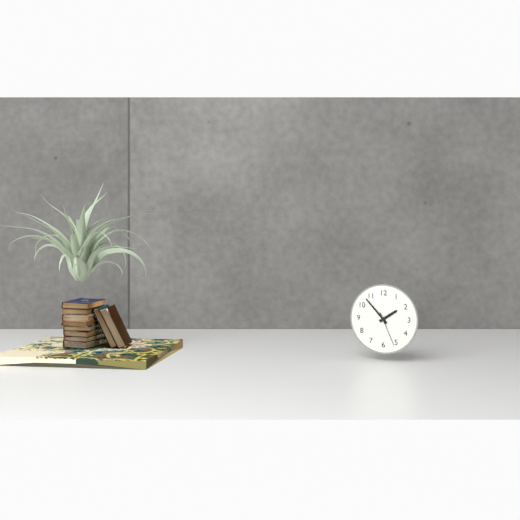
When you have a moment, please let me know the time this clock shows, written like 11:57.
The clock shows 1:53
